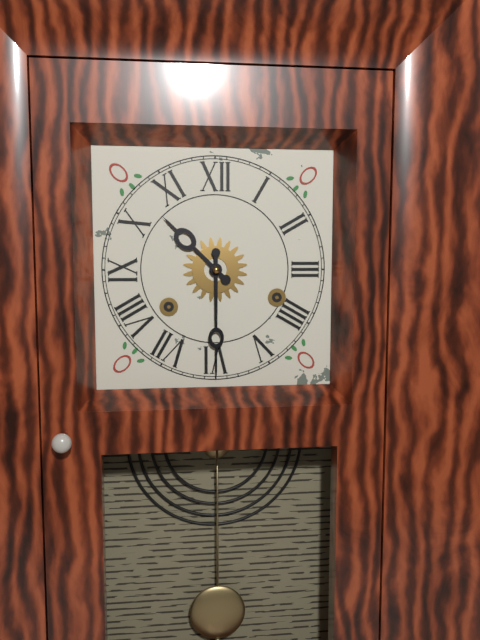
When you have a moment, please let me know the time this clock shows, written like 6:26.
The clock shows 10:30
